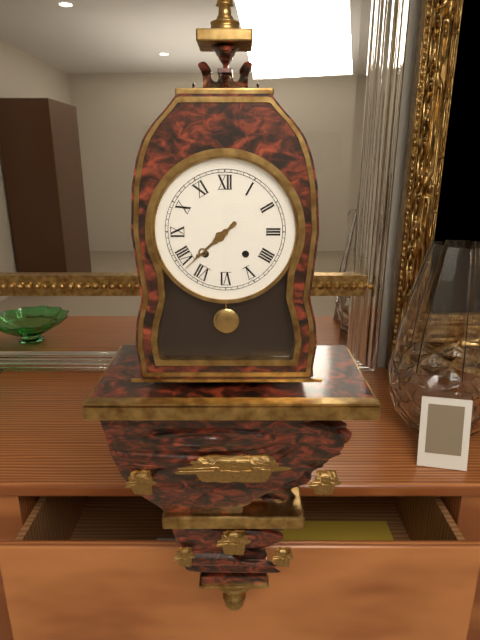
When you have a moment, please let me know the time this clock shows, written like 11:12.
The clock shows 7:38
